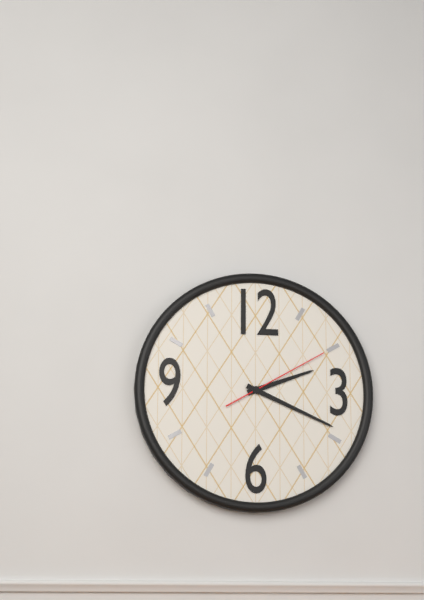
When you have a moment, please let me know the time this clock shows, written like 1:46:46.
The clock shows 2:19:10
